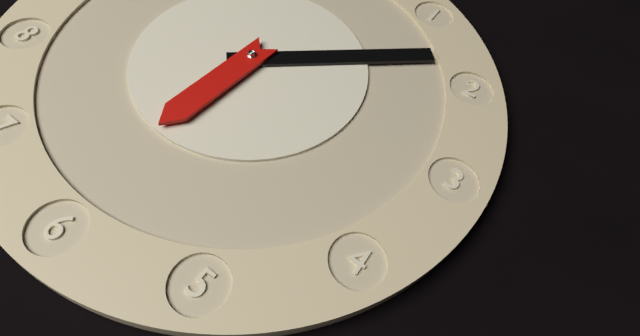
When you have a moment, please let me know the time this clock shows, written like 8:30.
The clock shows 6:08
